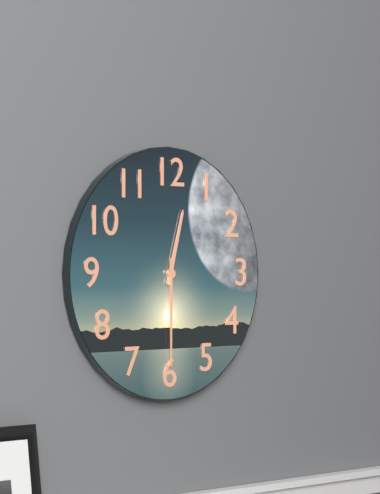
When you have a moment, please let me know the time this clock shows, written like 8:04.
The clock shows 12:30
